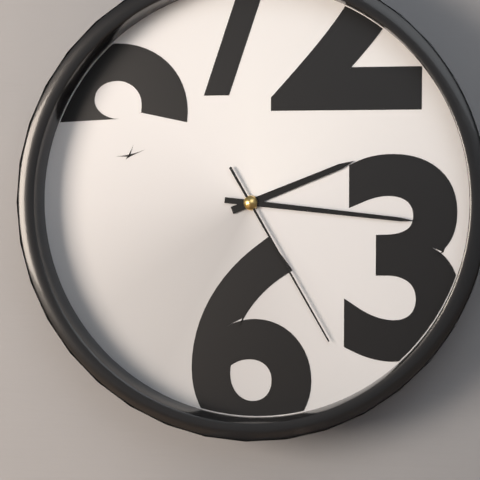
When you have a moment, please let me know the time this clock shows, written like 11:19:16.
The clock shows 2:16:25
